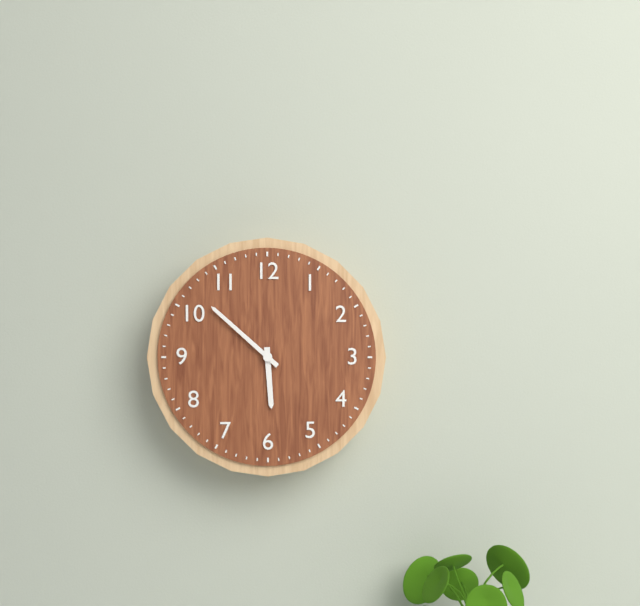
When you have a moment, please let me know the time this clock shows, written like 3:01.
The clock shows 5:52
